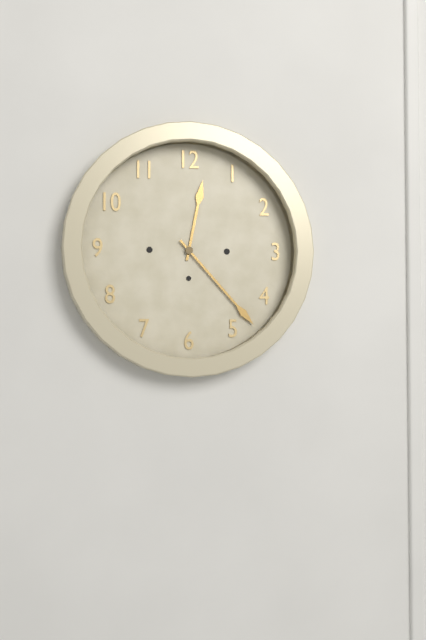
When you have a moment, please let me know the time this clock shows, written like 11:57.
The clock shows 12:23
